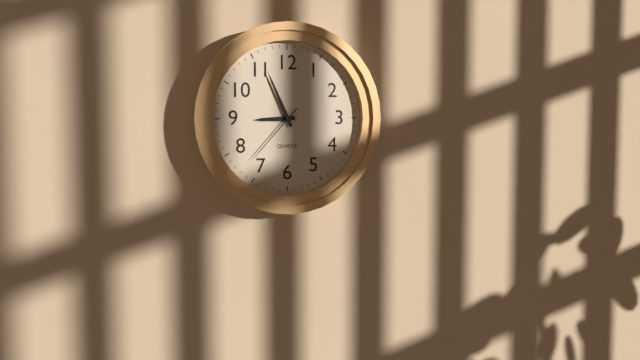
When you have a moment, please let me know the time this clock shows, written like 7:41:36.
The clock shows 8:56:37
